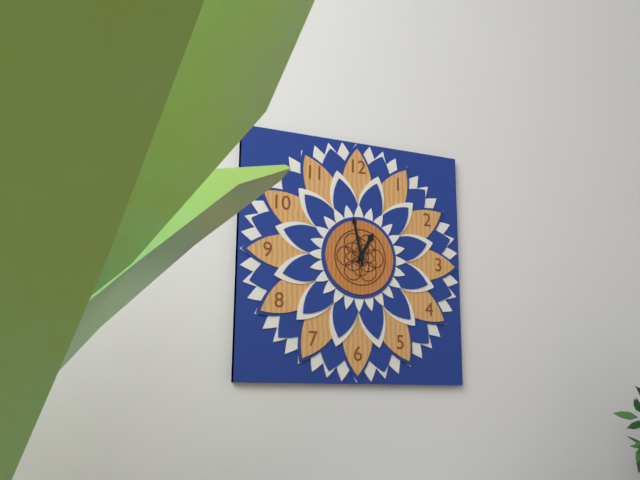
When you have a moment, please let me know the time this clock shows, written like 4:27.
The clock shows 12:58
